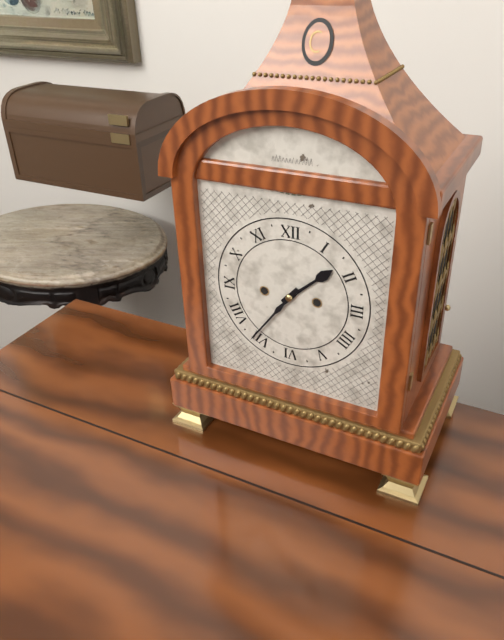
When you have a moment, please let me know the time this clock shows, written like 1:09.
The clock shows 1:36
